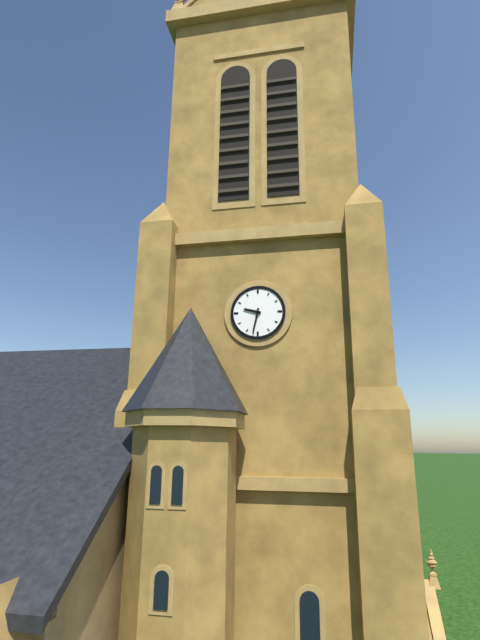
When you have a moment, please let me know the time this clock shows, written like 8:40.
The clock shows 9:32
